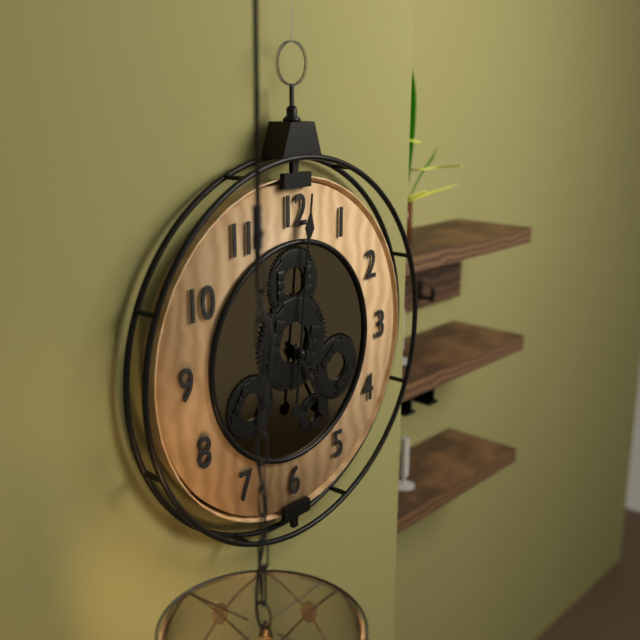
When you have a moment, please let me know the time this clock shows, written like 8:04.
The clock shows 5:01
